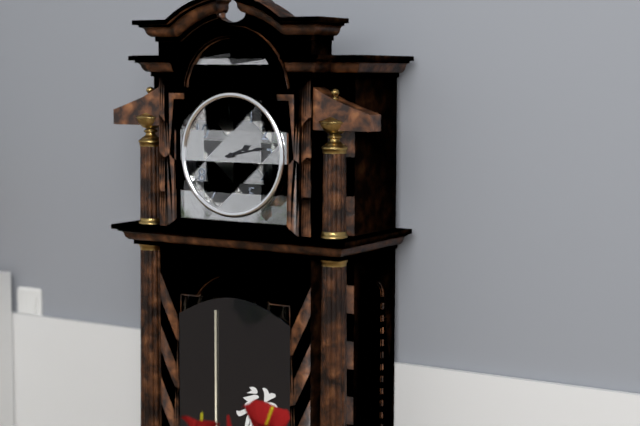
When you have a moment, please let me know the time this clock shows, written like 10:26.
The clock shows 2:13
